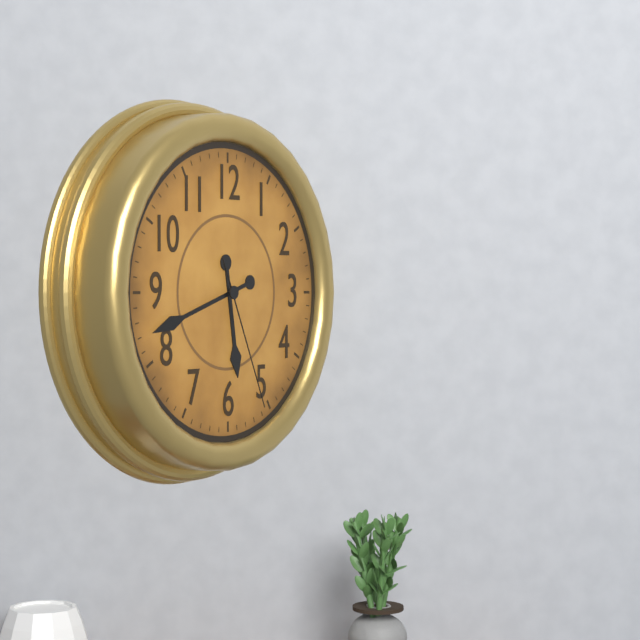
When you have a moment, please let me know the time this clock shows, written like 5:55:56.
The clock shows 5:42:26
